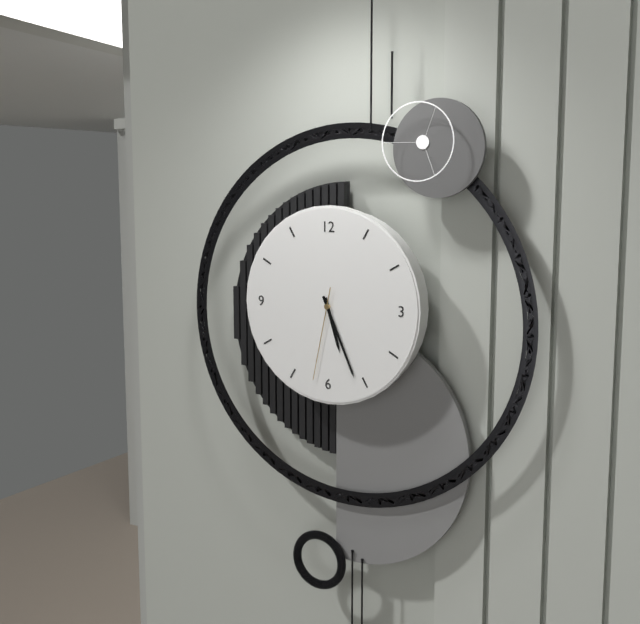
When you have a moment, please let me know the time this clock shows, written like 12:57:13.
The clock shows 5:26:32
